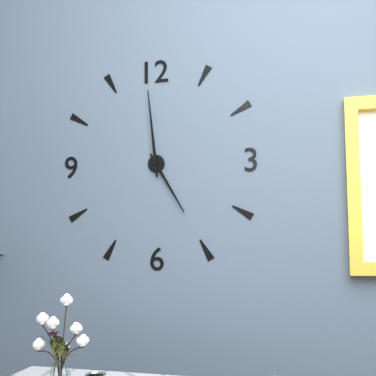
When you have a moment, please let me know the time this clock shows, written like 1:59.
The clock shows 4:59
